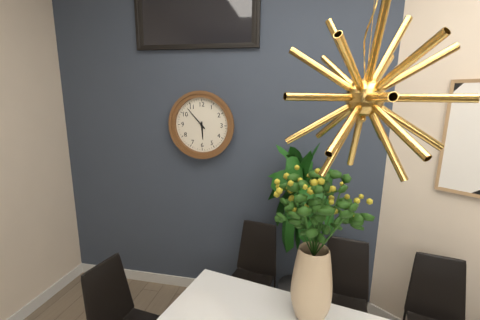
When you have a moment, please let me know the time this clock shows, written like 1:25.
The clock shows 5:53
